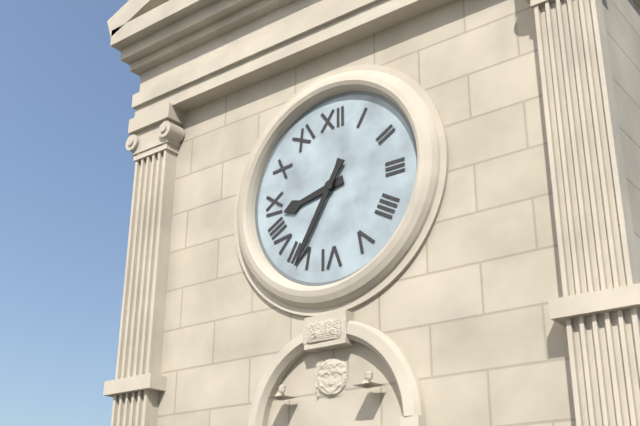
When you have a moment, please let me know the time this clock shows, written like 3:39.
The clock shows 8:35
